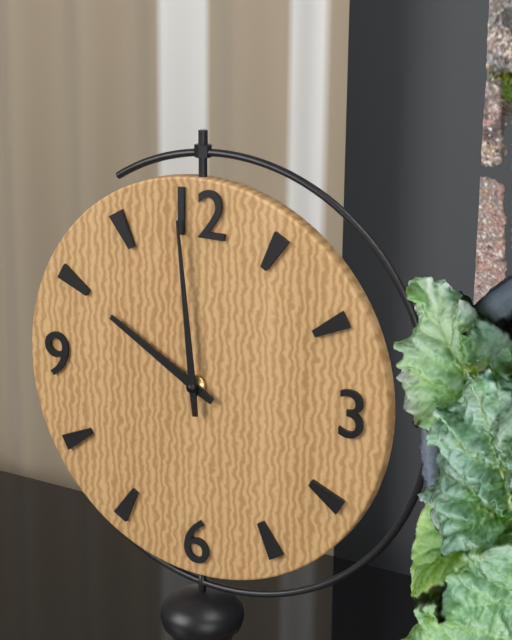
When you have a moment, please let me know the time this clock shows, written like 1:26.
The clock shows 9:59
